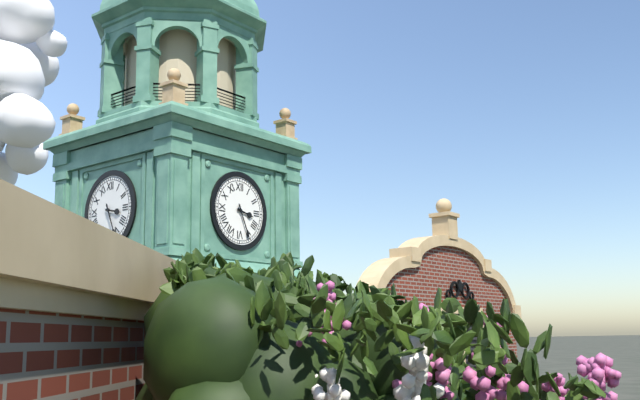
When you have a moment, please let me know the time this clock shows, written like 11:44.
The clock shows 3:26
